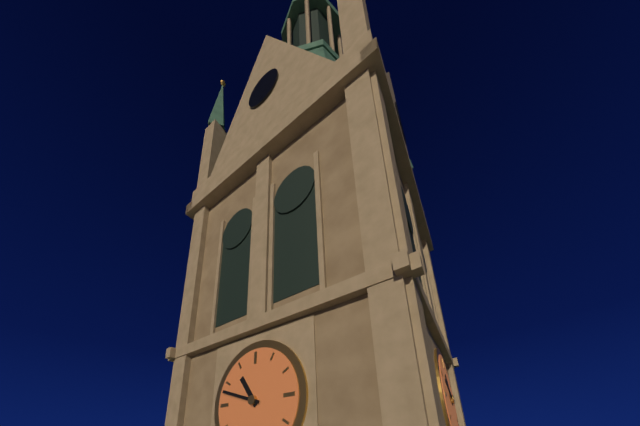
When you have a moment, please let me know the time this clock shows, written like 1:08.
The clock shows 10:48
